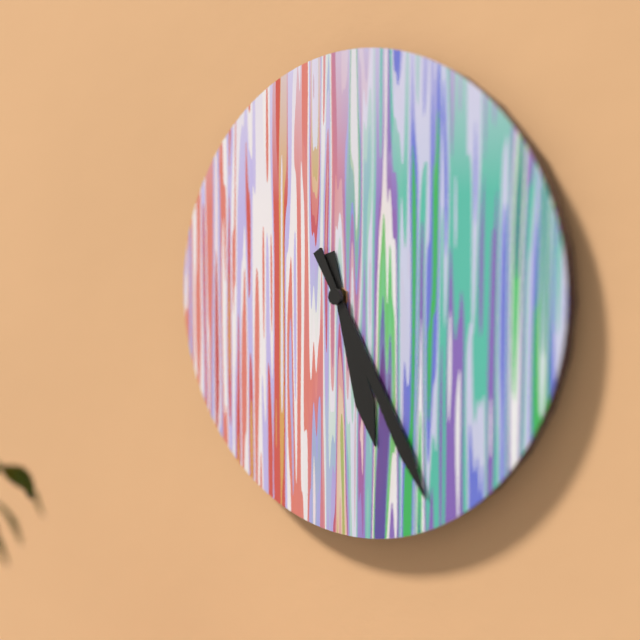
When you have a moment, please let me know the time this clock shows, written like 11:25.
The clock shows 5:25
